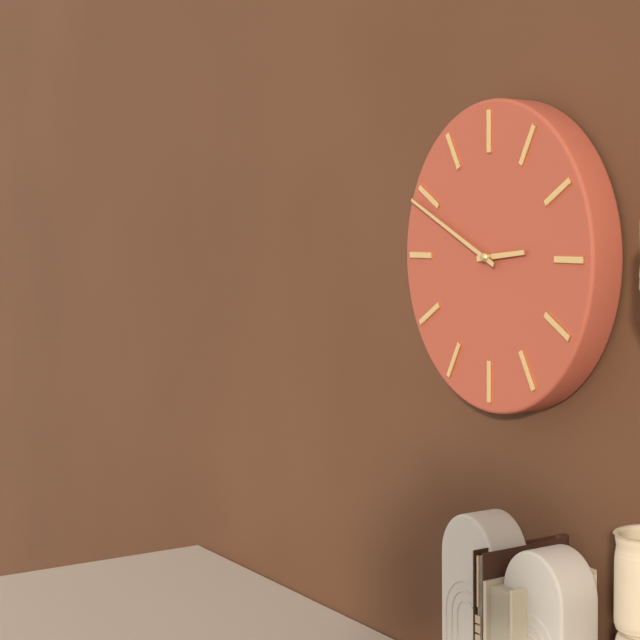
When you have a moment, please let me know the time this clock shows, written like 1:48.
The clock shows 2:49
